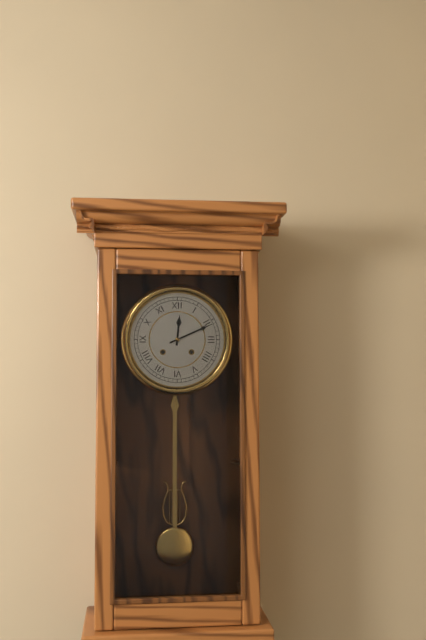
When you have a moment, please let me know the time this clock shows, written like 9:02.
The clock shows 12:11
